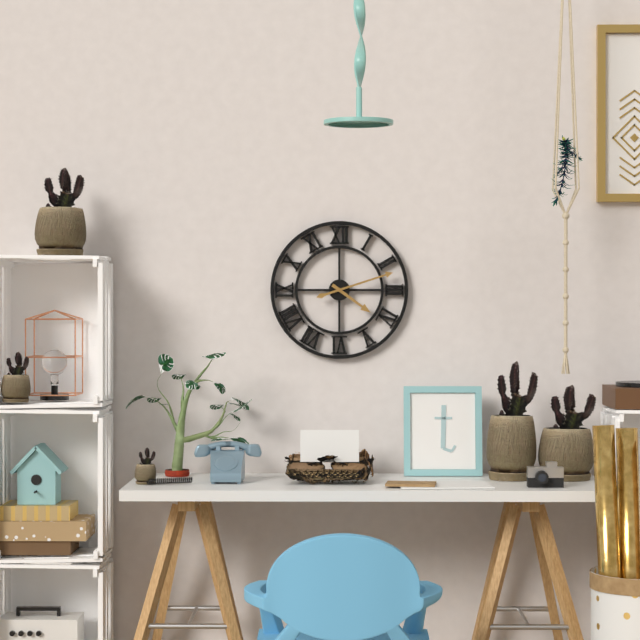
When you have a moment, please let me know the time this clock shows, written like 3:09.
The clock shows 4:12
